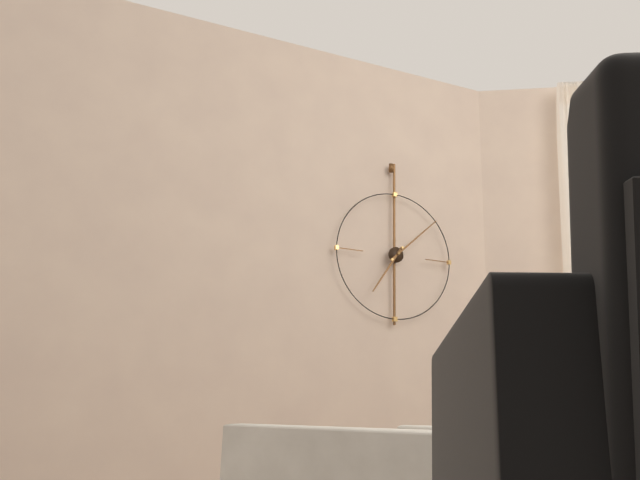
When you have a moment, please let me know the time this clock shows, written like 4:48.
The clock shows 7:08
